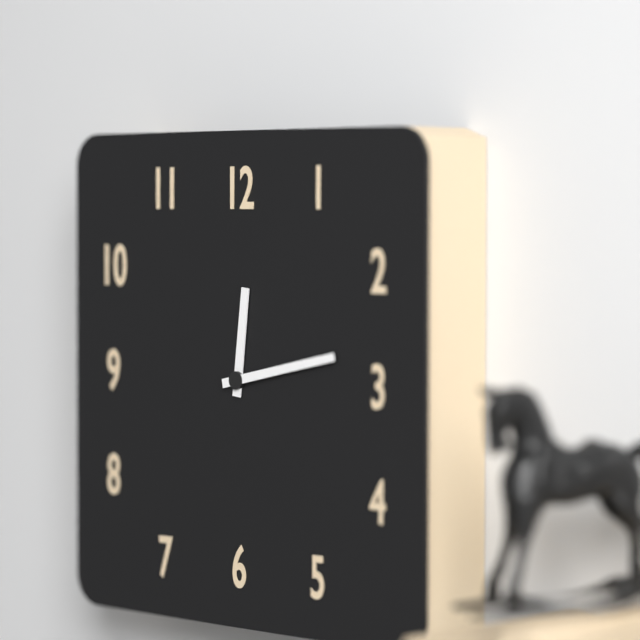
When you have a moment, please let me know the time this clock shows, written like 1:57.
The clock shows 12:13
